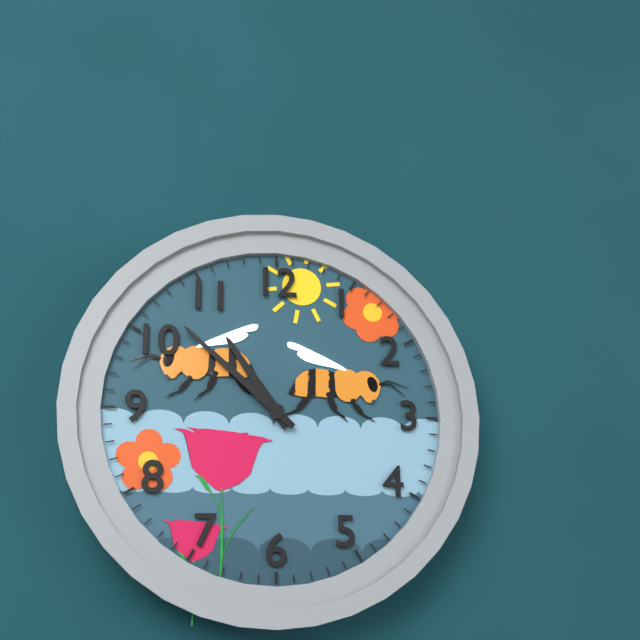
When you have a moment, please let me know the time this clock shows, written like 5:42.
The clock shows 10:52
